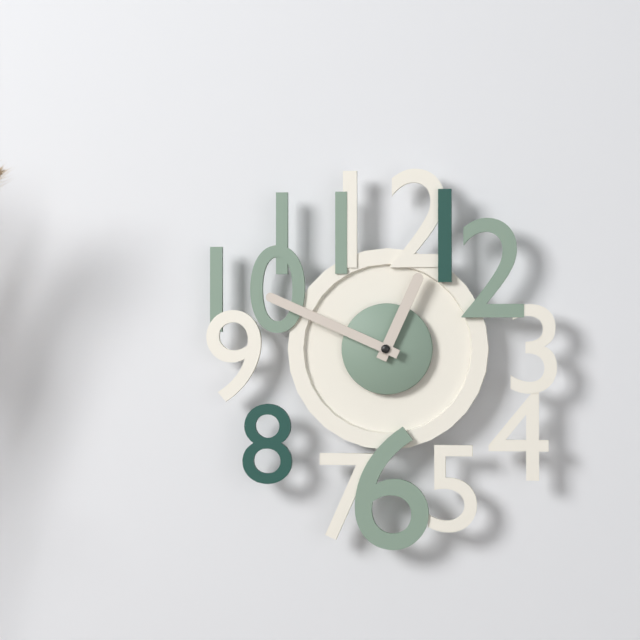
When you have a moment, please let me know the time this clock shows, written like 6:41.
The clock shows 12:49
